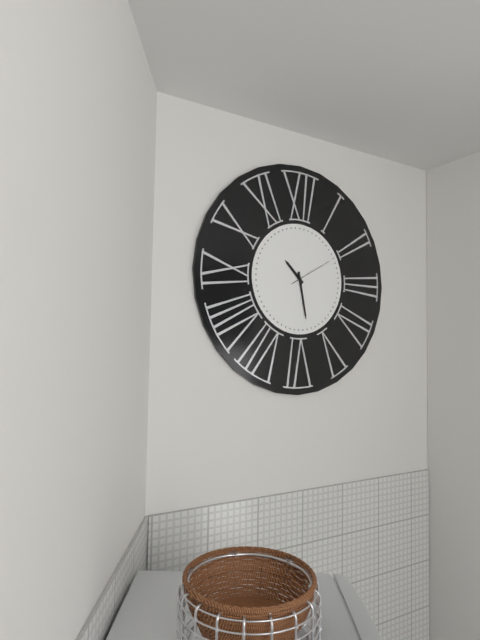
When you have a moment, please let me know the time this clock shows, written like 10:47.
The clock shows 10:28
